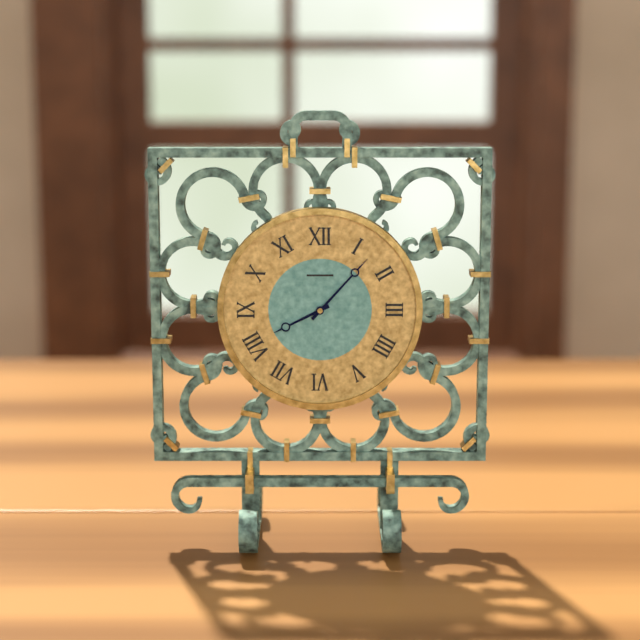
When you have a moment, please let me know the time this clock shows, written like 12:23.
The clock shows 8:07
